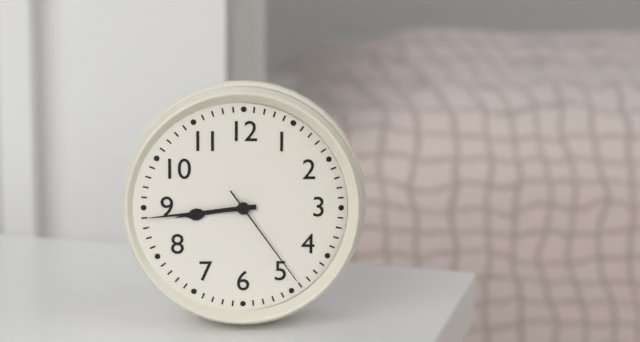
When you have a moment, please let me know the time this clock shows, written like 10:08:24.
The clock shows 8:44:24
